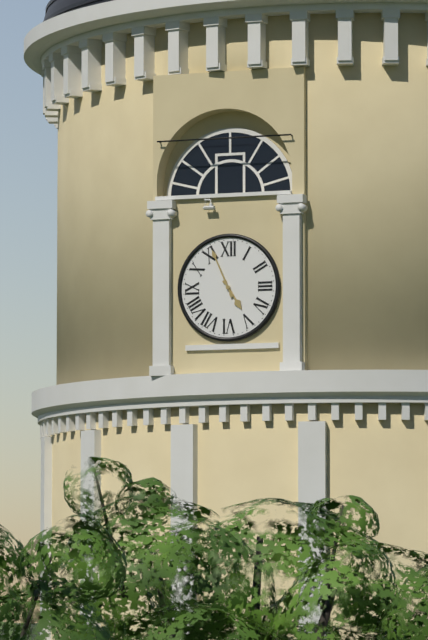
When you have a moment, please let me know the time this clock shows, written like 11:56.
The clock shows 4:56
